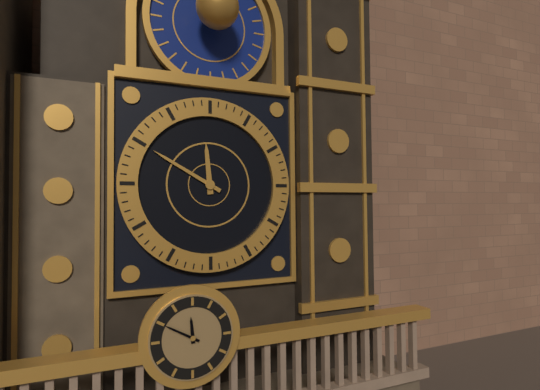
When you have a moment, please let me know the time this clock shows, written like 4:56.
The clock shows 11:50
